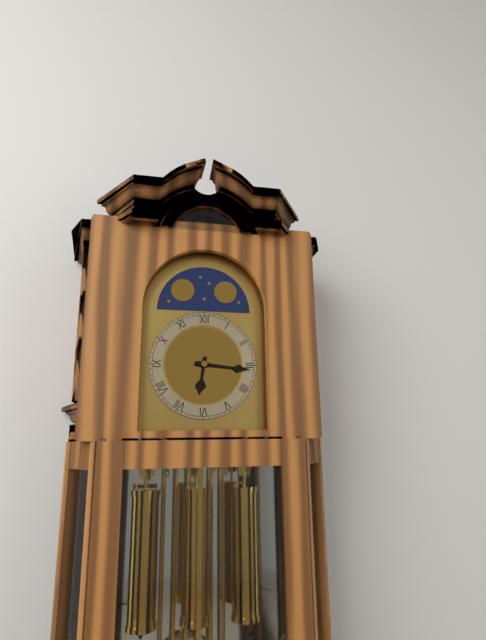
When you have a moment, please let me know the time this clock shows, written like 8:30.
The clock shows 6:16
